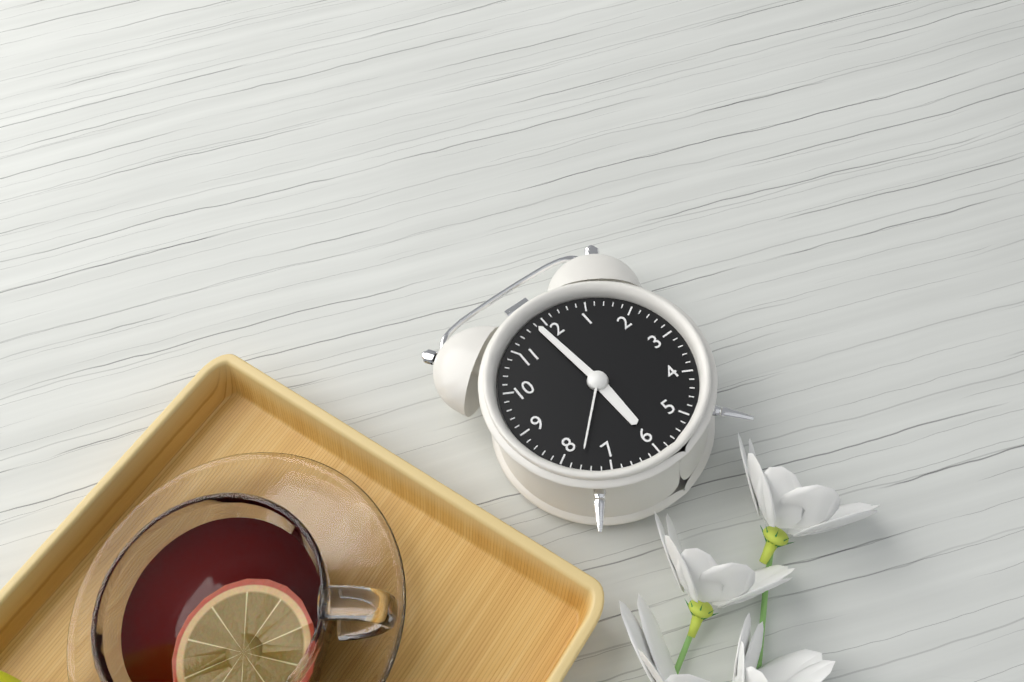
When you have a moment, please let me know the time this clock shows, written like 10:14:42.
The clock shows 5:59:38
